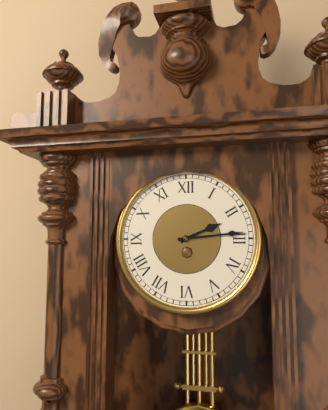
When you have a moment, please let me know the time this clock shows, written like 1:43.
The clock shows 2:14
